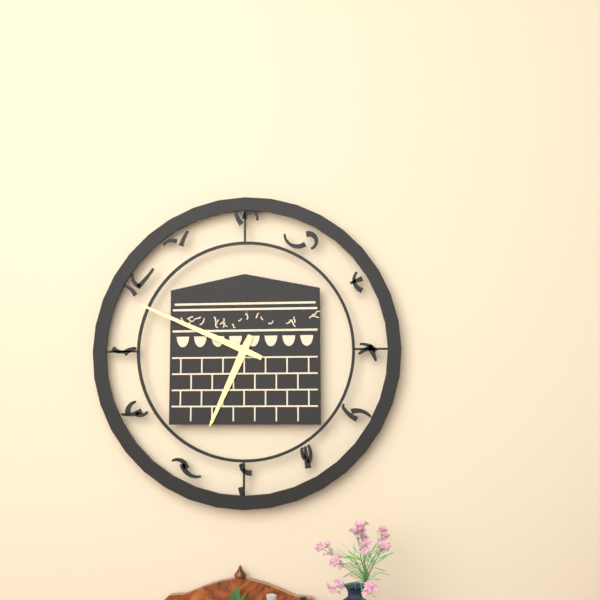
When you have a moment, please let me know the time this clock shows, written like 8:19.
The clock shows 6:49
